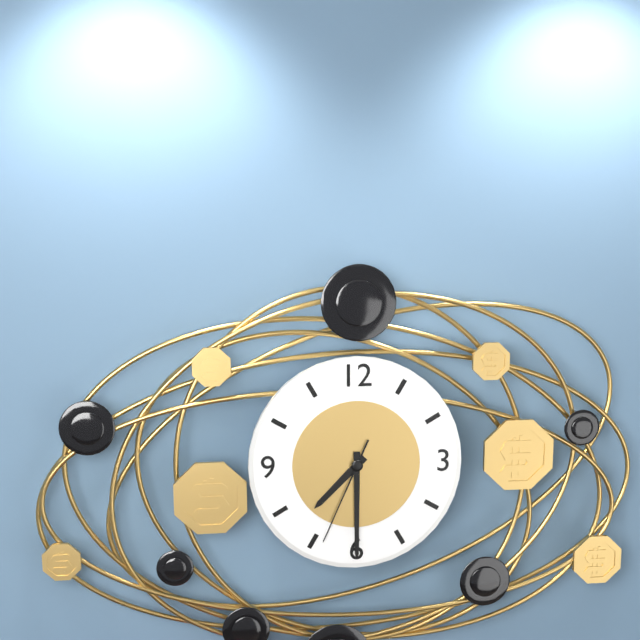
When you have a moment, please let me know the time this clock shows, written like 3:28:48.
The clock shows 7:30:34
